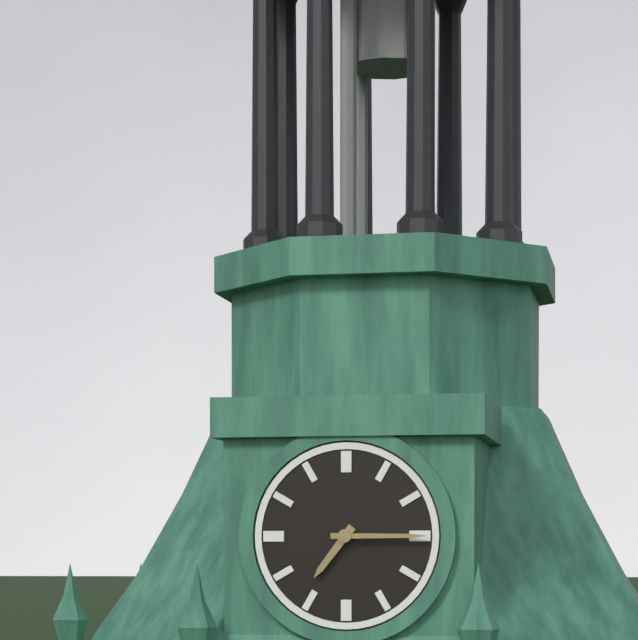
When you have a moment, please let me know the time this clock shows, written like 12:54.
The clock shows 7:15
